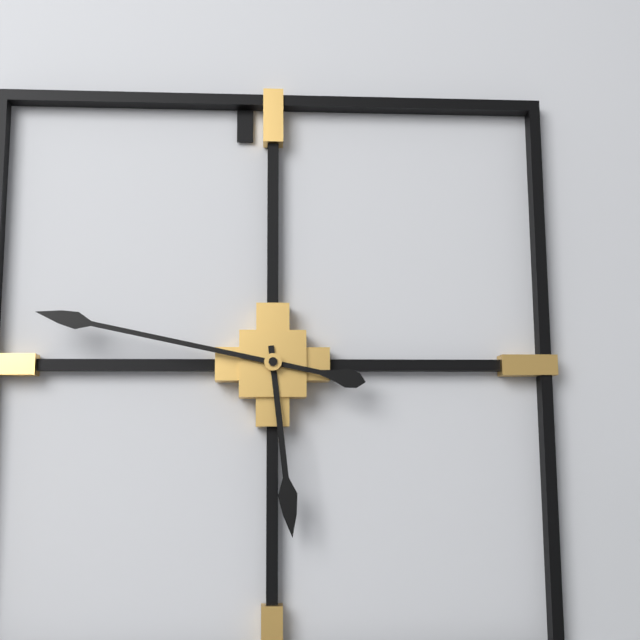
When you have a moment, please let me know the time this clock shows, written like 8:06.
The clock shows 5:47
